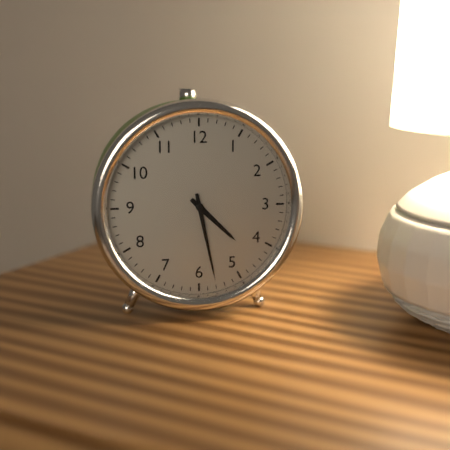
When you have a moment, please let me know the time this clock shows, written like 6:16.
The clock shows 4:28
